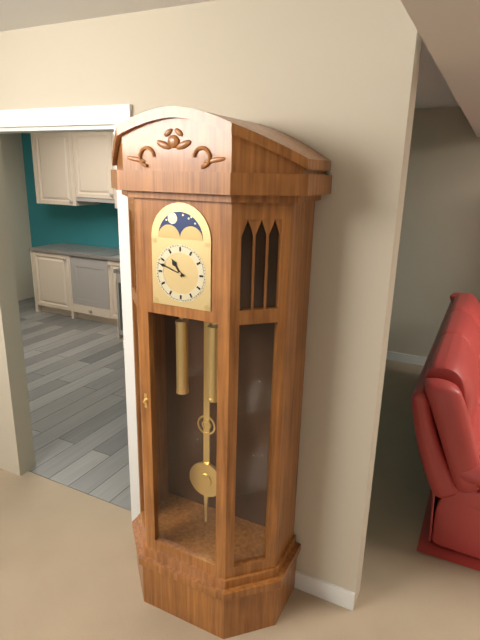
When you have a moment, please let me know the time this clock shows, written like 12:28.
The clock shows 10:48
